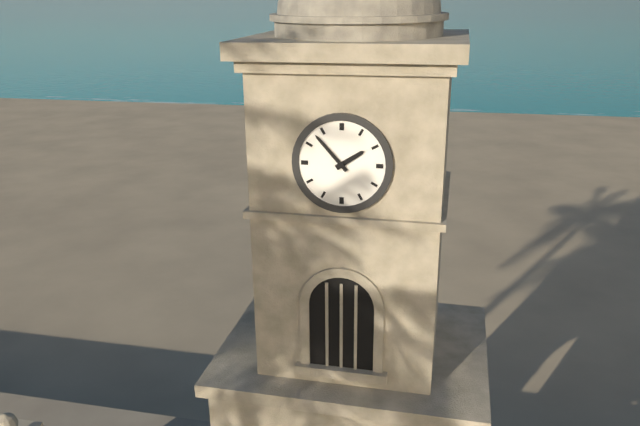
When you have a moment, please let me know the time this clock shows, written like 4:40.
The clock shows 1:53
